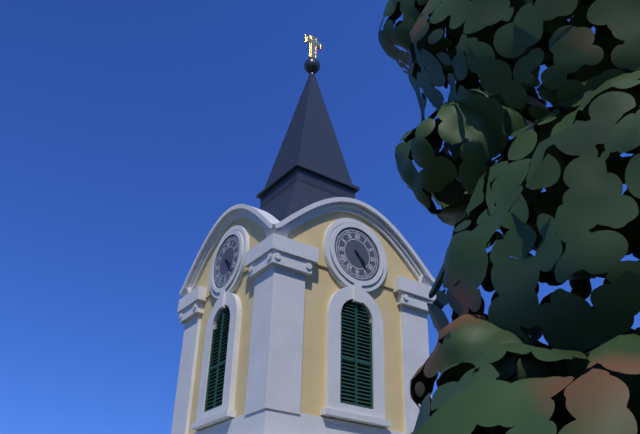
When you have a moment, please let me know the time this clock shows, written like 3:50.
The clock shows 4:24
